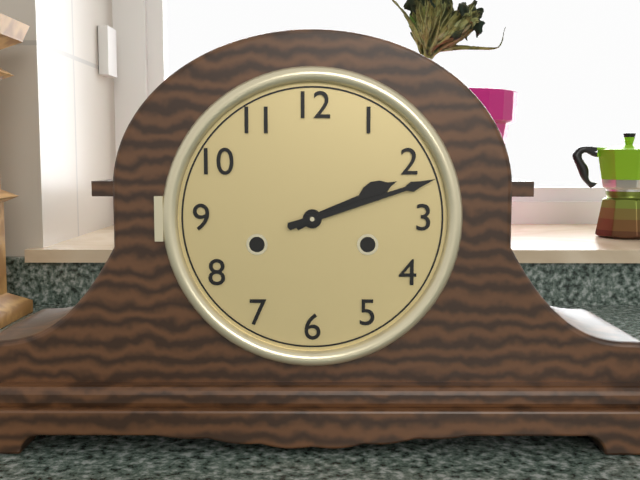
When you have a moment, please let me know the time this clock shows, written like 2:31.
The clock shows 2:12
